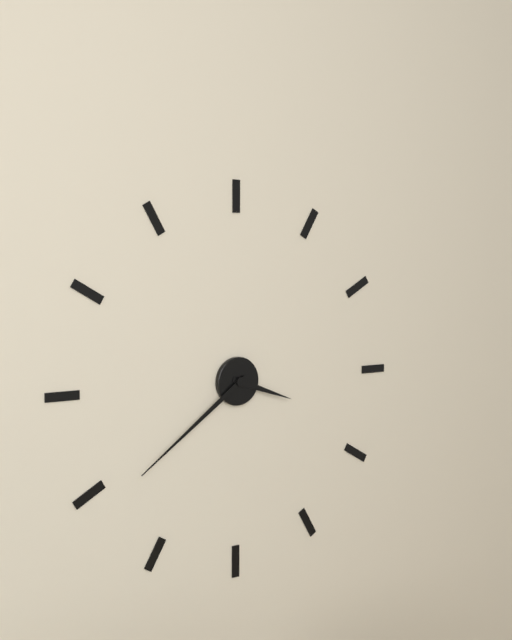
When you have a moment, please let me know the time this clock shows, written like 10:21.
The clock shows 3:39
